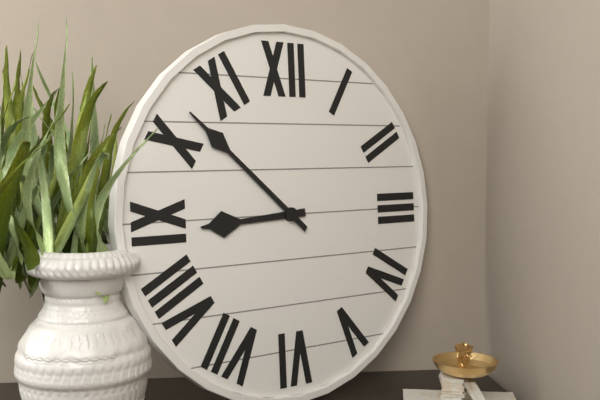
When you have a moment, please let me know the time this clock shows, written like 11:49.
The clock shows 8:52
